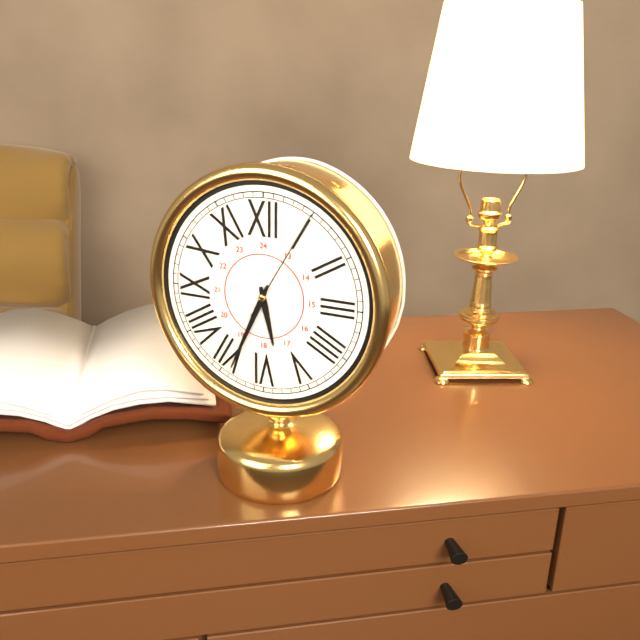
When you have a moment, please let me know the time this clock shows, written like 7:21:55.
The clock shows 5:34:05
